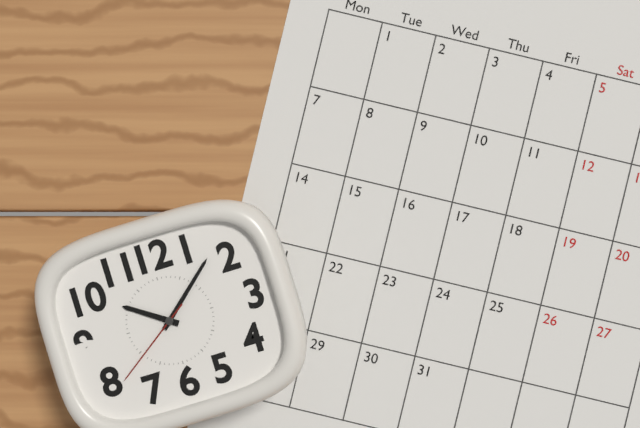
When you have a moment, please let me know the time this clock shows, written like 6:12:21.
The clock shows 10:08:39
